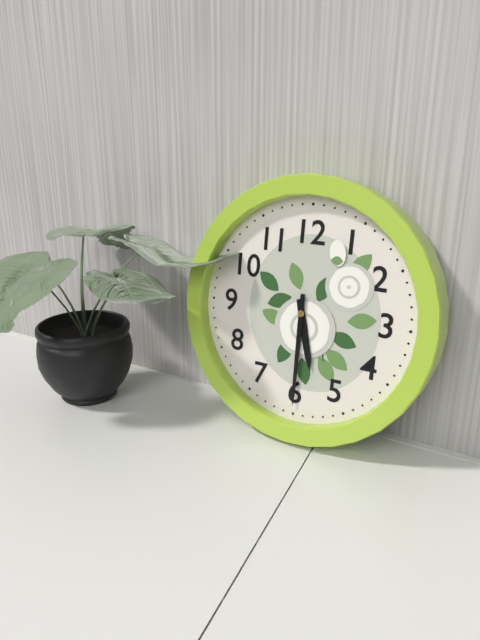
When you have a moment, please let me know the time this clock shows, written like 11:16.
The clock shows 5:30
